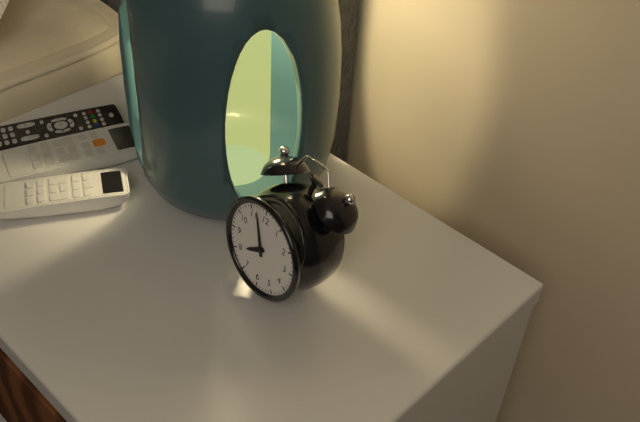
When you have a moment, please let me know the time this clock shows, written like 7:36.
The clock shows 7:57
